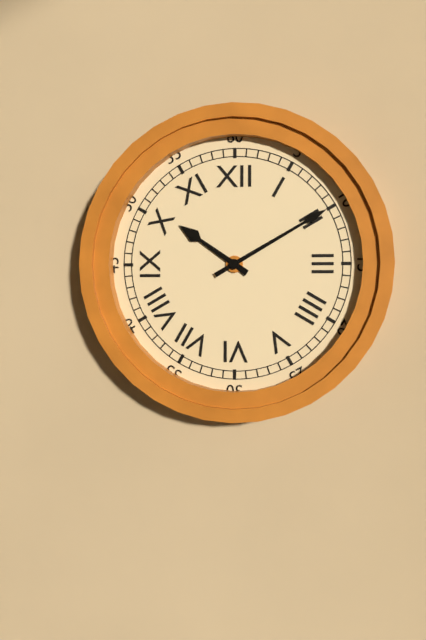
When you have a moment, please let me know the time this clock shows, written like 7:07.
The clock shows 10:10
